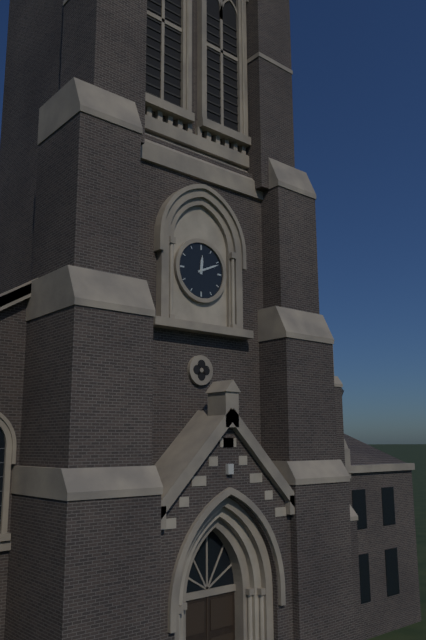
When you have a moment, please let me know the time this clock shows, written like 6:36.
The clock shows 12:11
